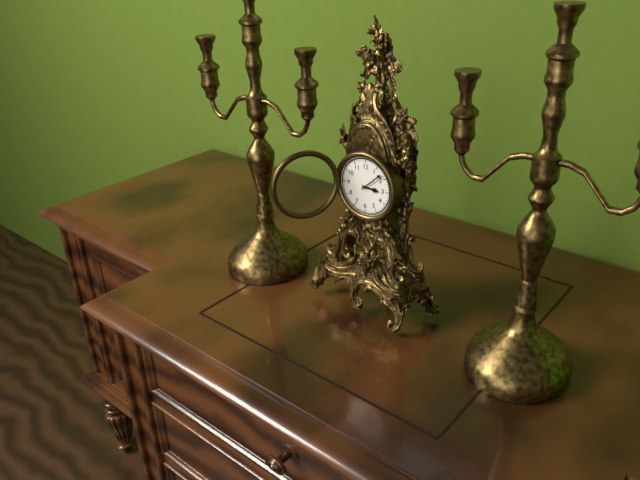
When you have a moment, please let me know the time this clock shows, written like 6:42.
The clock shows 3:08
